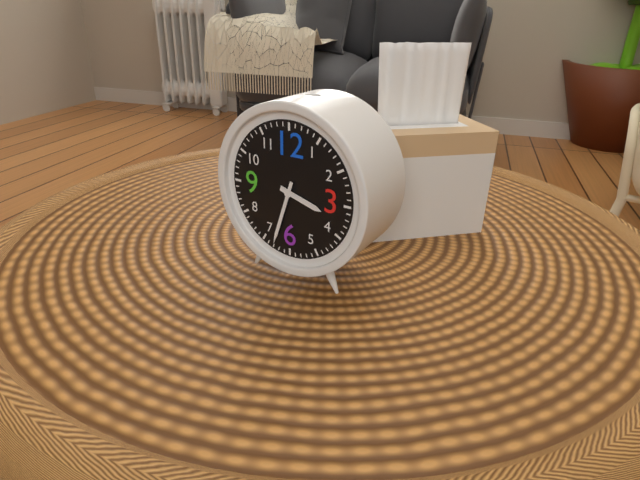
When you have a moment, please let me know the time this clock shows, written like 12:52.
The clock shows 3:33
